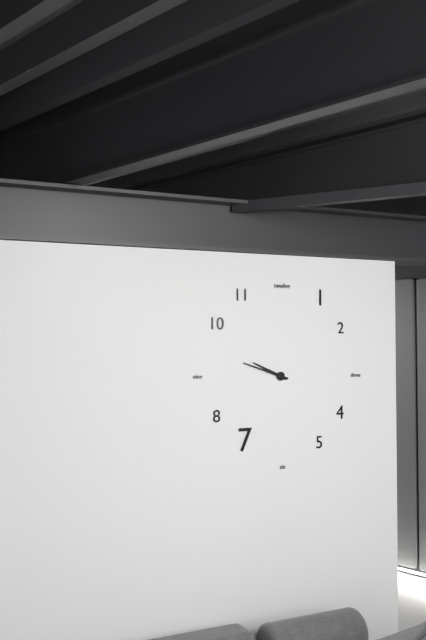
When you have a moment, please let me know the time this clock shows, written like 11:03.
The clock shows 9:48
